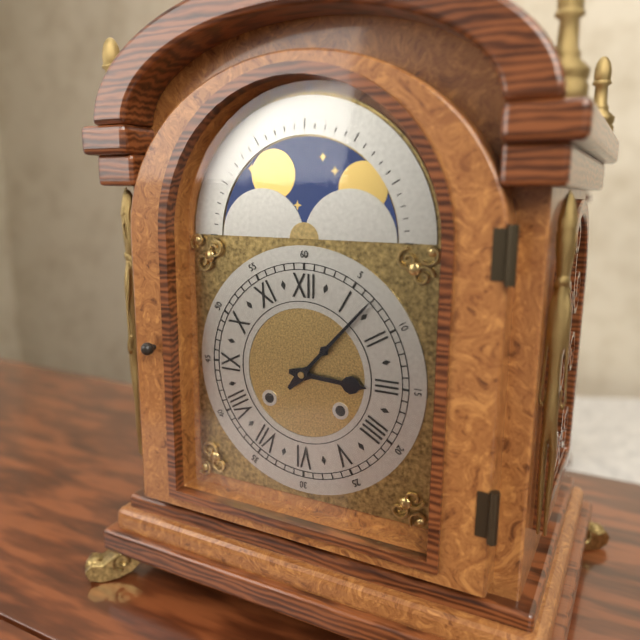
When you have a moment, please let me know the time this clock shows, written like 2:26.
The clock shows 3:07
